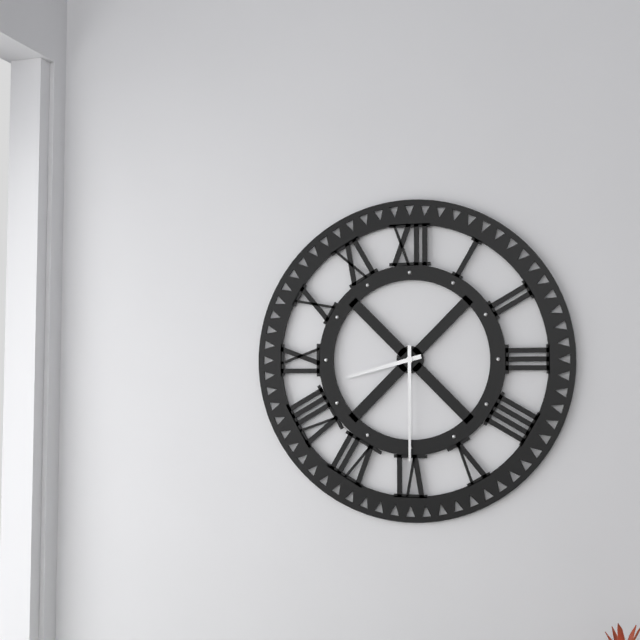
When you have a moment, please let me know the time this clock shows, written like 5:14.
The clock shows 8:30
